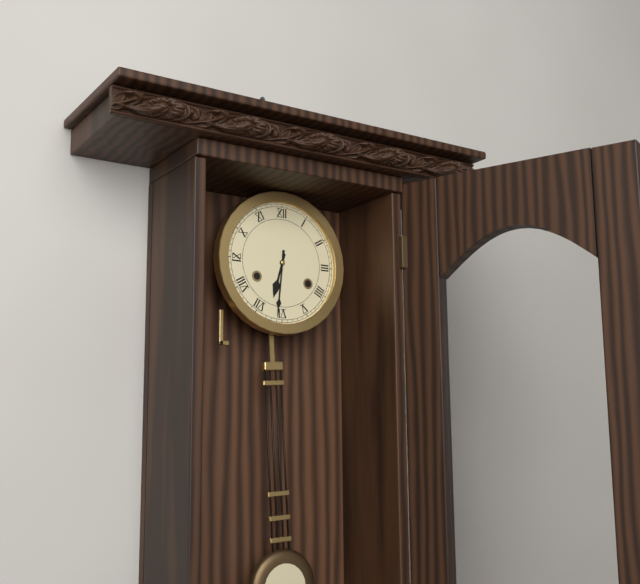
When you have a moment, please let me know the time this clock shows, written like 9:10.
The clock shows 6:31
